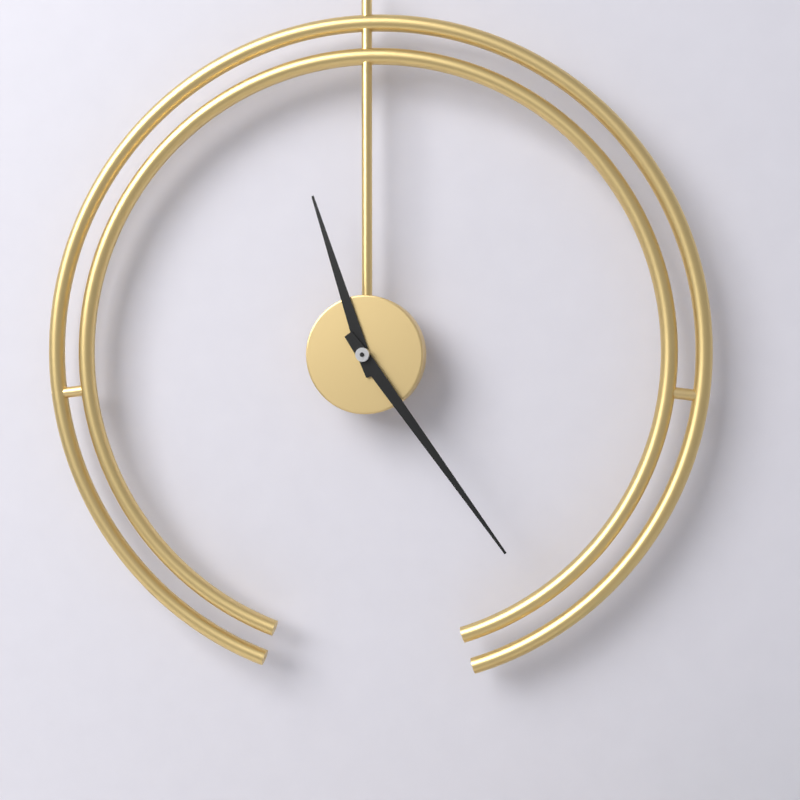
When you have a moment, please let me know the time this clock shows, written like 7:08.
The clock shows 11:24
